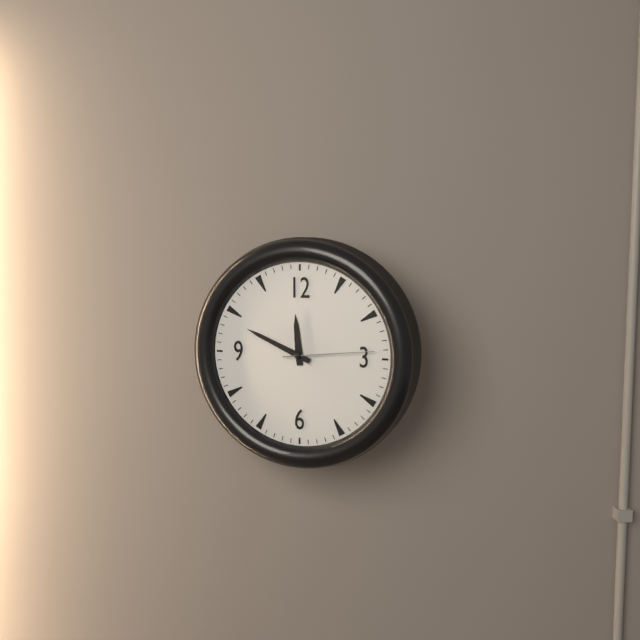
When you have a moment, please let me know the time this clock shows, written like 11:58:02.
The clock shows 11:49:14
